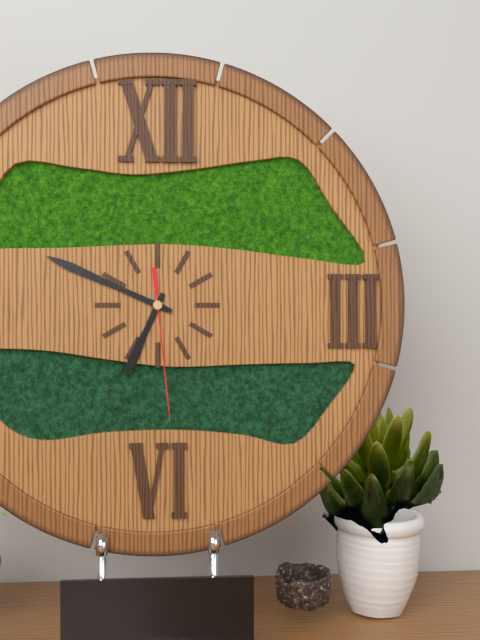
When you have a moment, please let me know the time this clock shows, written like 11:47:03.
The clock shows 6:49:29
